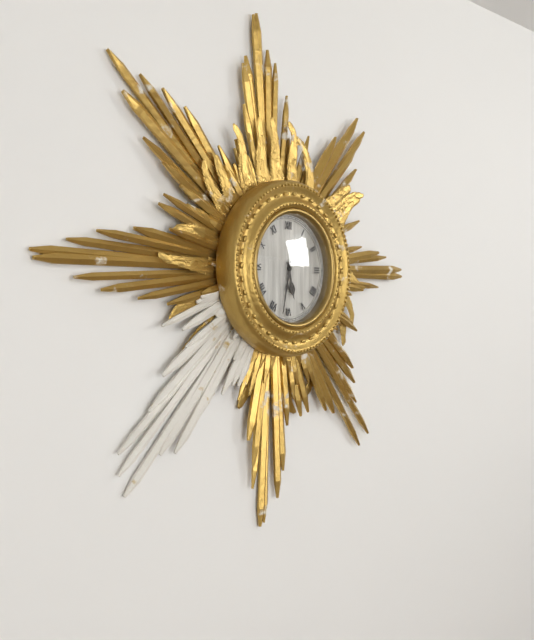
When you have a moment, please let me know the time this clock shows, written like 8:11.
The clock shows 5:32
